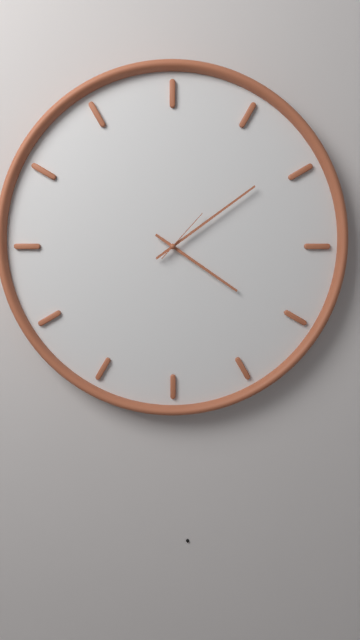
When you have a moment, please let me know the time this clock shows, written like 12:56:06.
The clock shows 4:09:07
